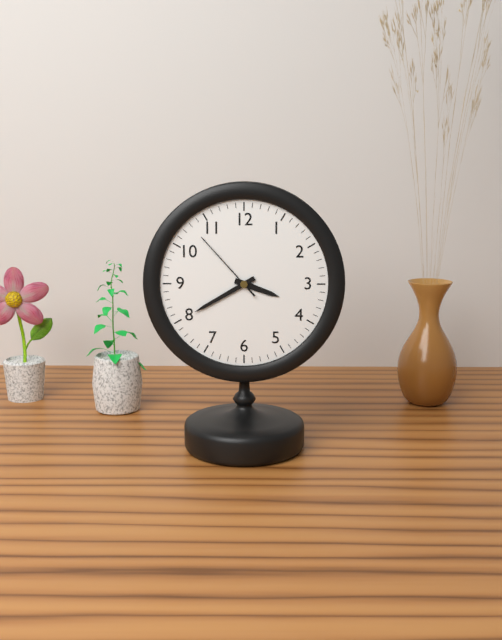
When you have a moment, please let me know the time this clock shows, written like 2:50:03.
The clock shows 3:40:53
